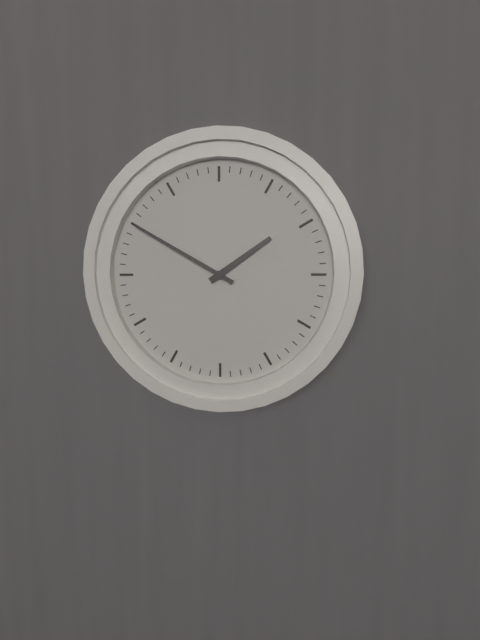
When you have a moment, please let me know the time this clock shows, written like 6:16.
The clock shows 1:50
